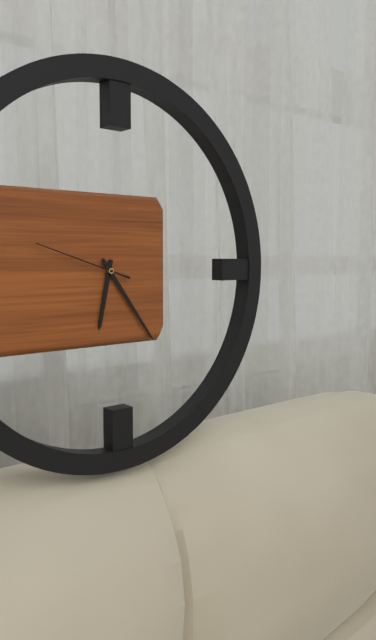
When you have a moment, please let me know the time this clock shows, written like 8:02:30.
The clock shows 6:24:48
